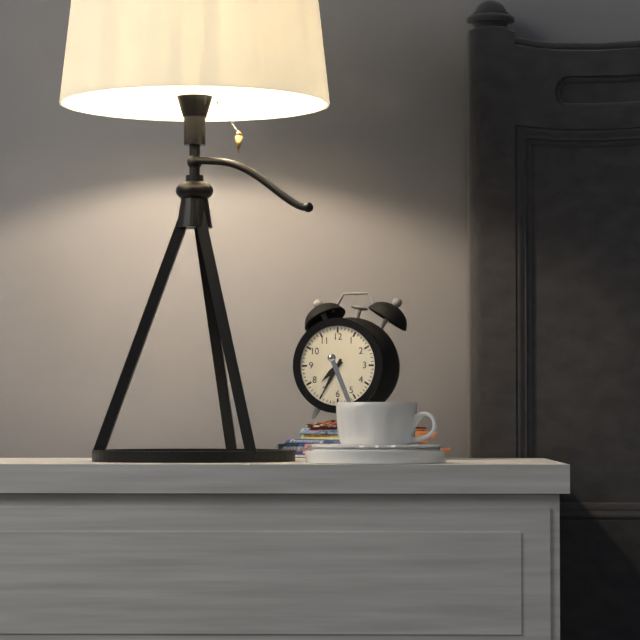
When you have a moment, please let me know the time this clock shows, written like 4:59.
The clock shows 7:35
